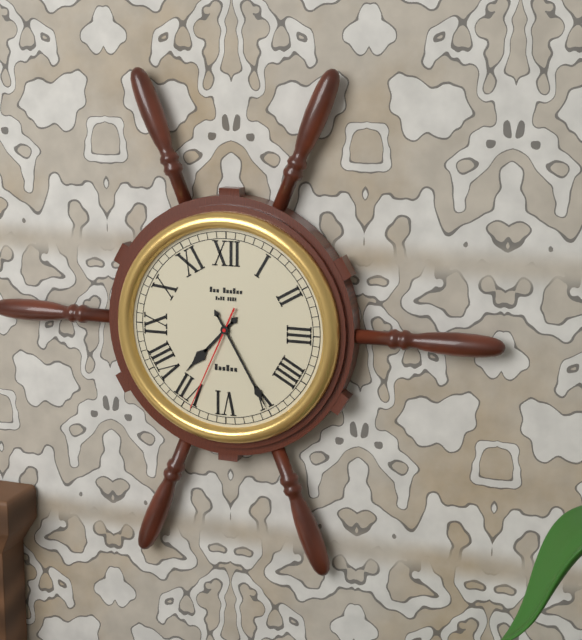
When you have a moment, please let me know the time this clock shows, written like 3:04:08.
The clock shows 7:25:34
